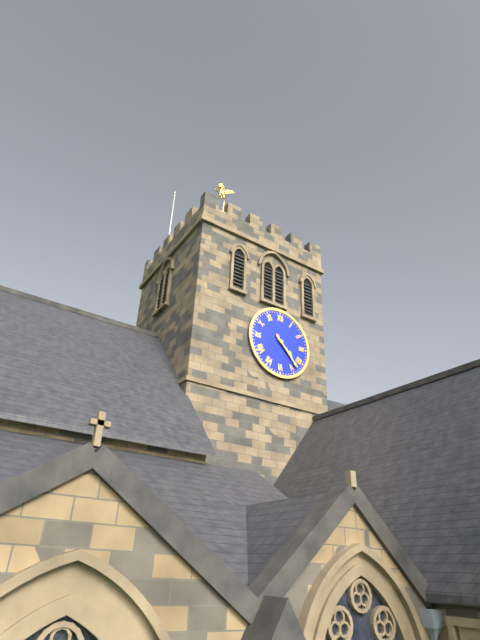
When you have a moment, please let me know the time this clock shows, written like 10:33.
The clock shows 4:23
